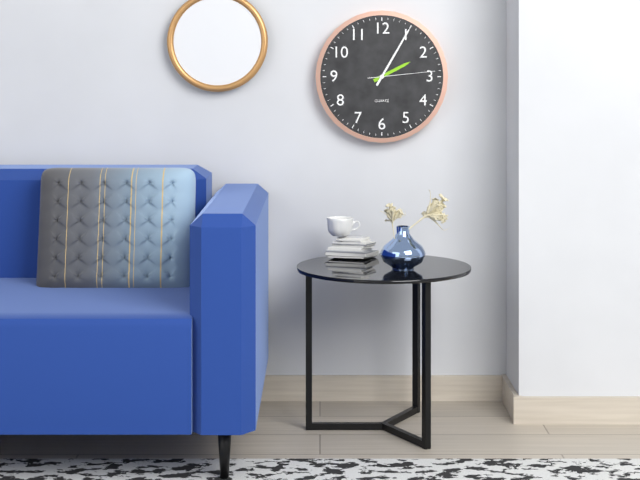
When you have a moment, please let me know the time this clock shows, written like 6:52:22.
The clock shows 2:05:14
